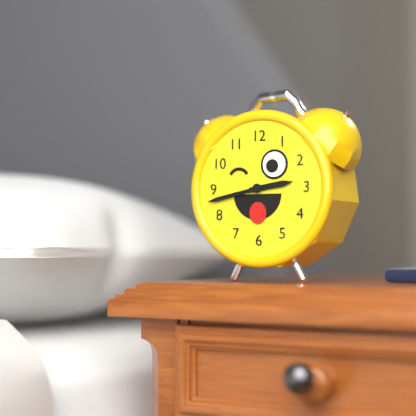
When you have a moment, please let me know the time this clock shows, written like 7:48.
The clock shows 2:43
